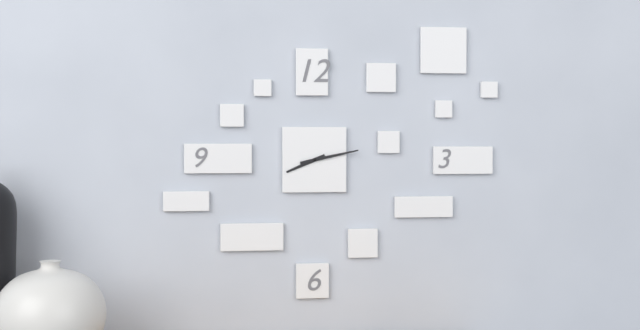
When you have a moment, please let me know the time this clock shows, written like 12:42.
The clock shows 8:13
